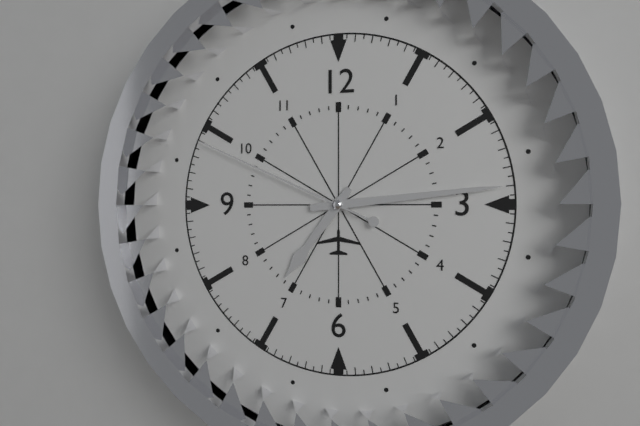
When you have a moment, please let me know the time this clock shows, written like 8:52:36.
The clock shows 7:14:49
